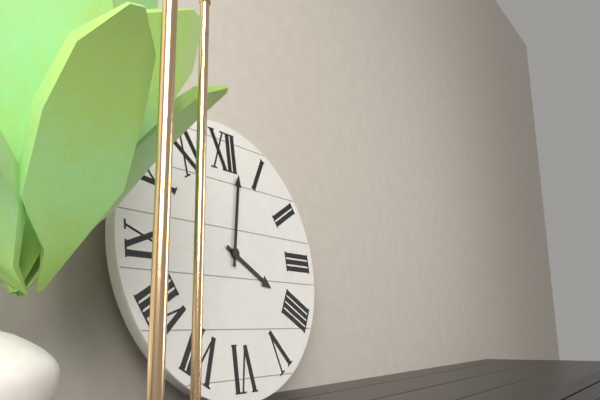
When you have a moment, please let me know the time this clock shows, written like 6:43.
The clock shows 4:02
